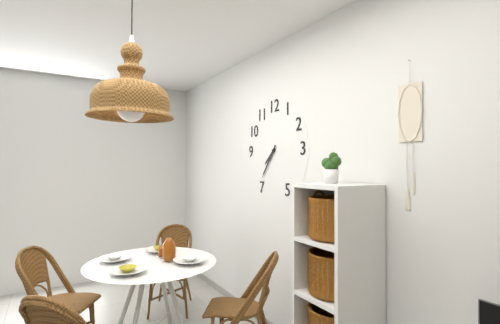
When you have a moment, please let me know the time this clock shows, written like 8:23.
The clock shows 7:36
